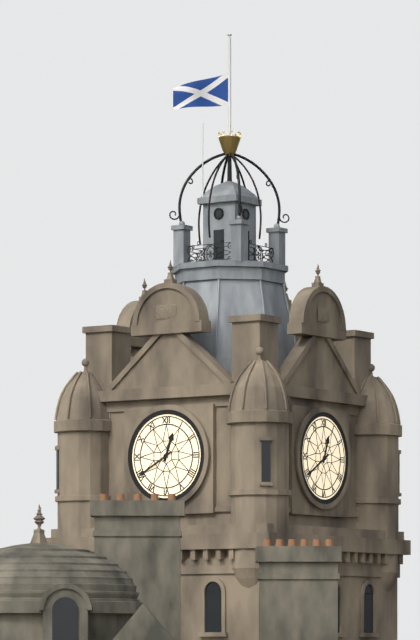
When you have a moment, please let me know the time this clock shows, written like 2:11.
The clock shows 12:40
